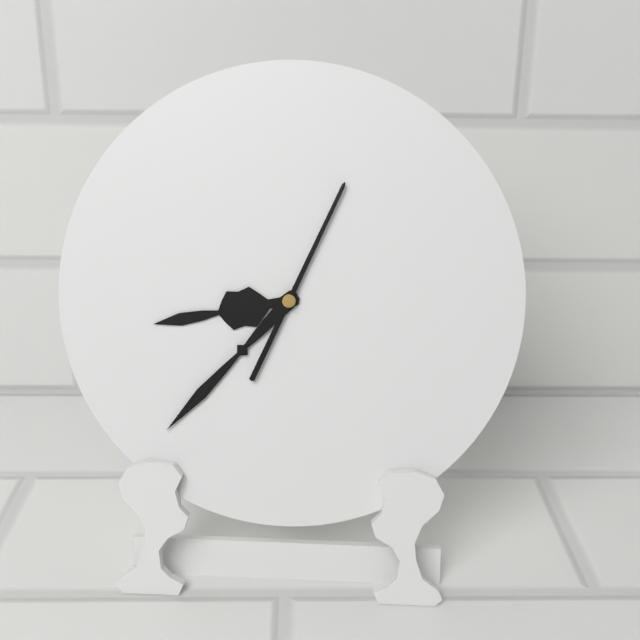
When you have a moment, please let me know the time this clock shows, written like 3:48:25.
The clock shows 8:37:04
